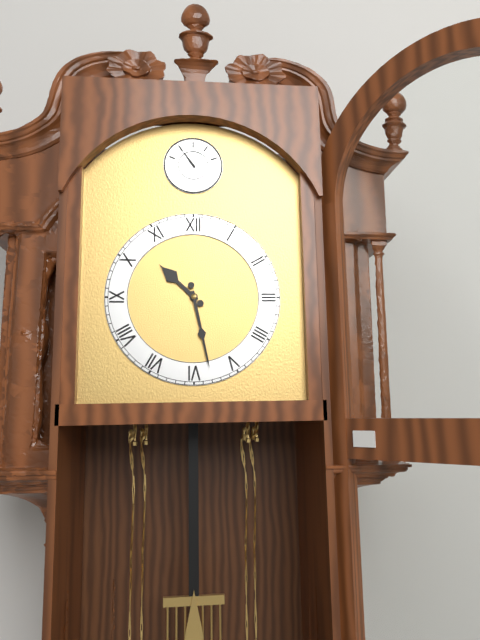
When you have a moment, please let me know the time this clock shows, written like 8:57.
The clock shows 10:28
